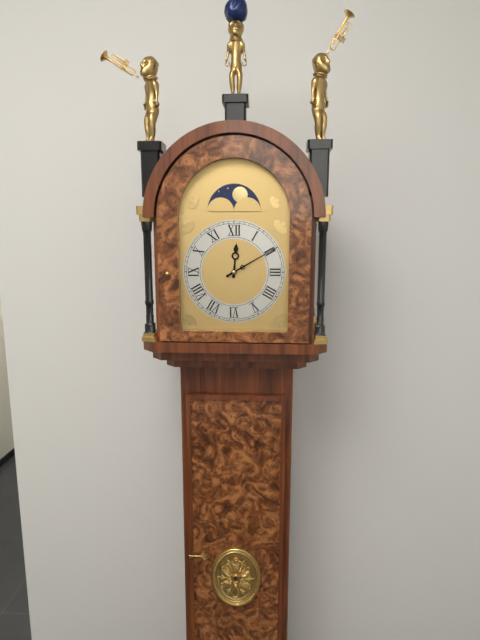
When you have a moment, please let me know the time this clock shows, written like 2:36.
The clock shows 12:10
